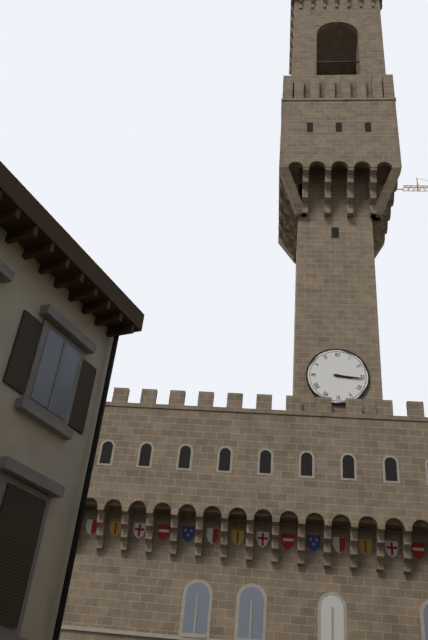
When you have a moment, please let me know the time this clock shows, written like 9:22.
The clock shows 3:16
